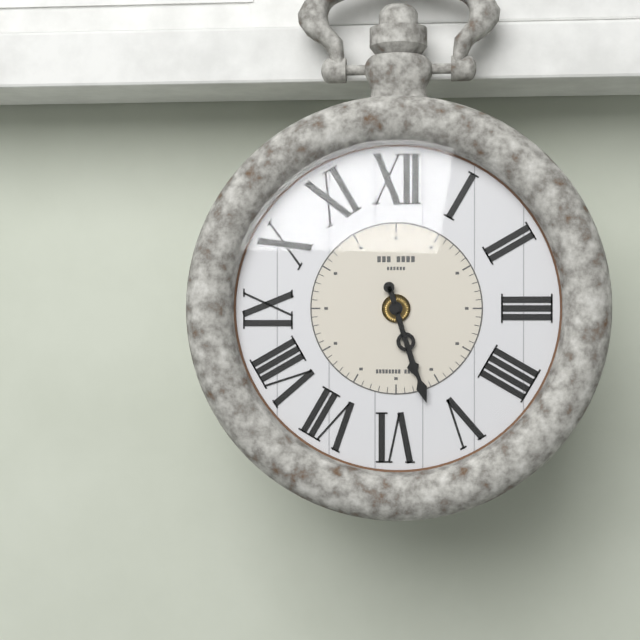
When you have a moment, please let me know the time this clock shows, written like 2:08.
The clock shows 5:27
